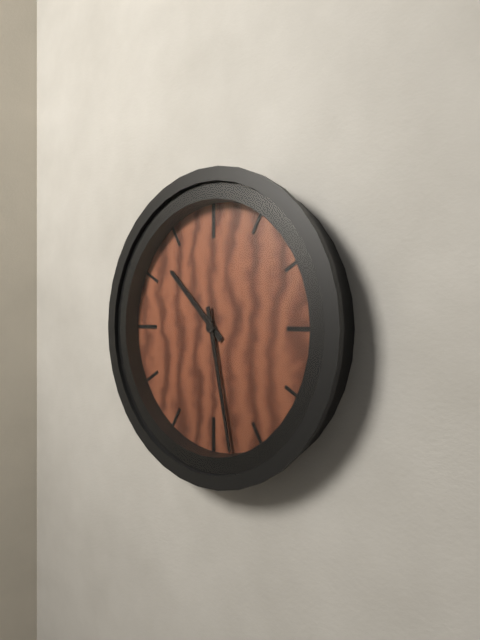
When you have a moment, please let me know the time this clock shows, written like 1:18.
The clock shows 10:28
